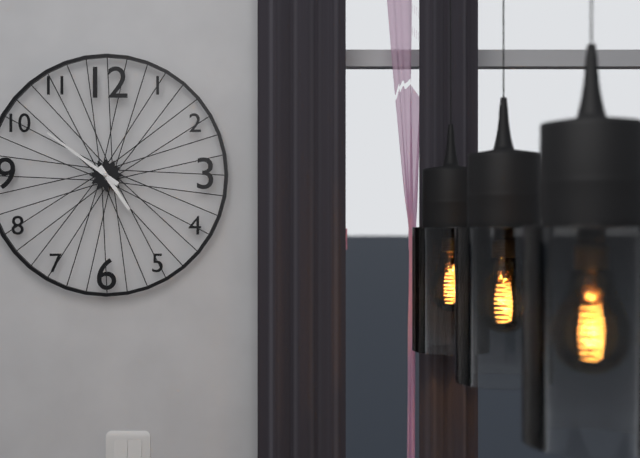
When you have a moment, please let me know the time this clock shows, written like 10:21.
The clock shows 4:51
